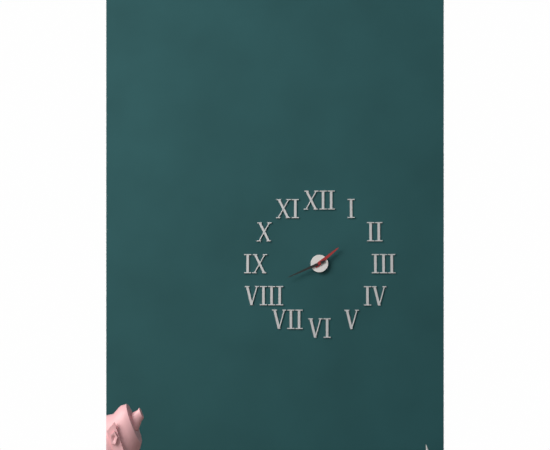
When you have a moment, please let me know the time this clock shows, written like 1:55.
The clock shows 1:41
